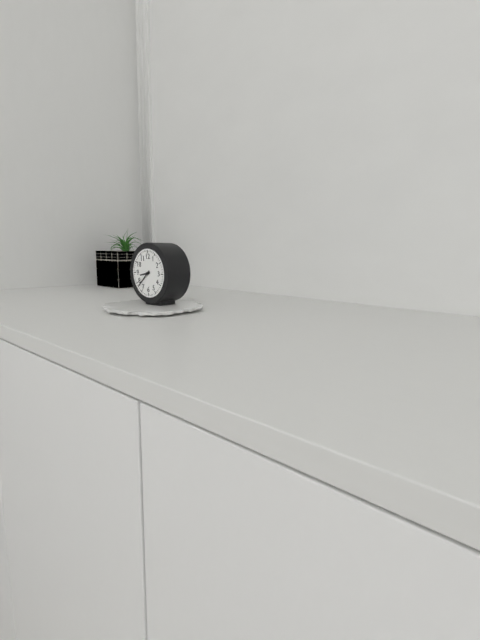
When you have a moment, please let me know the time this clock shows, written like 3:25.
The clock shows 8:38
